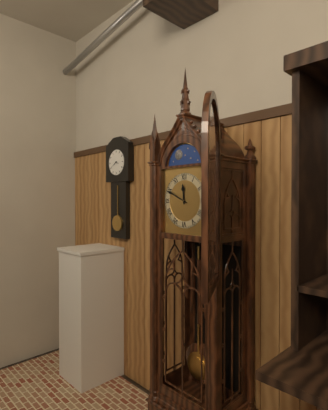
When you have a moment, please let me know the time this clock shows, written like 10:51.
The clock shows 11:49
